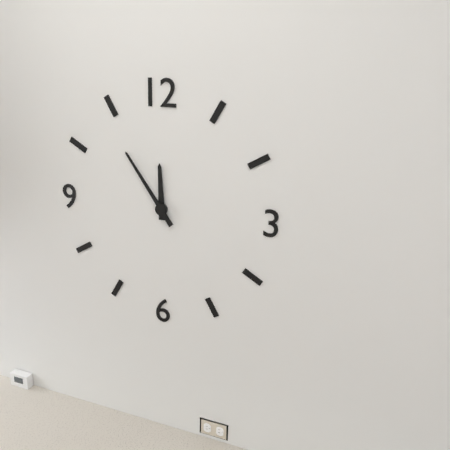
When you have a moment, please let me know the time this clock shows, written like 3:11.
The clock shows 11:54
